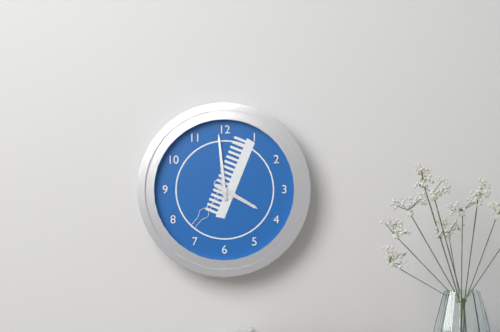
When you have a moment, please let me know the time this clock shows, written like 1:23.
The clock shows 3:59
